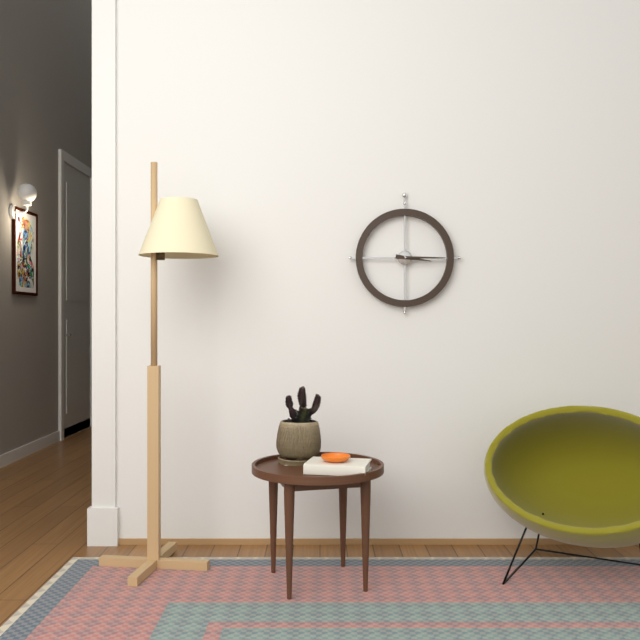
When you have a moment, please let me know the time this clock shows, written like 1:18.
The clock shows 3:15
